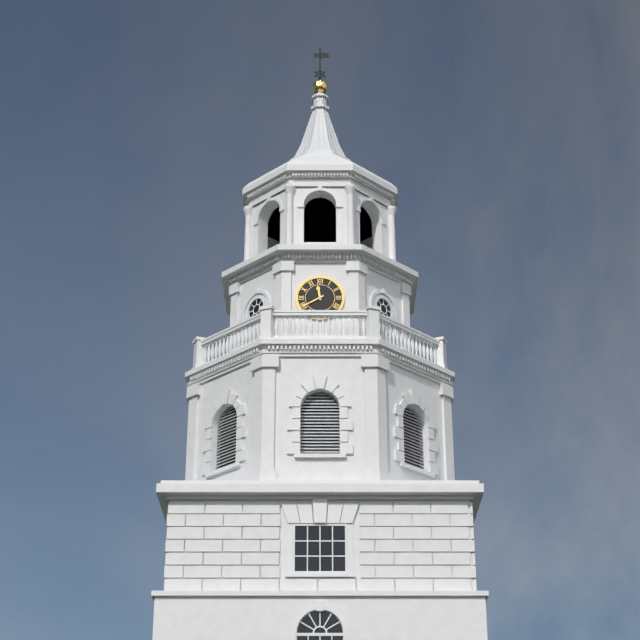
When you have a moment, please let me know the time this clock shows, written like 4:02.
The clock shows 11:40
